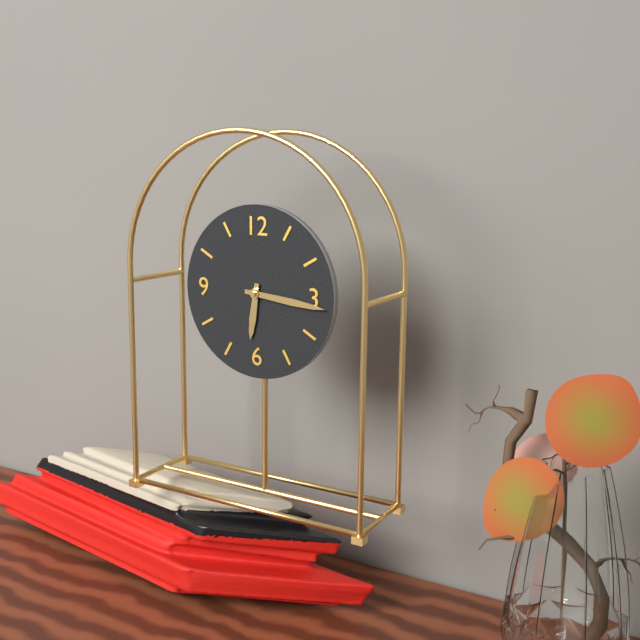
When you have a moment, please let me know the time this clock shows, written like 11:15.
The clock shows 6:16
